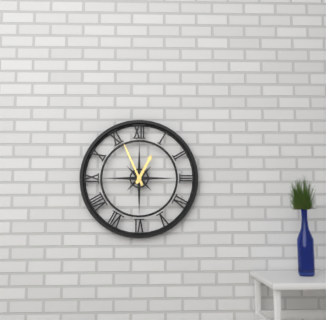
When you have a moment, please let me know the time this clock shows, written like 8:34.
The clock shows 12:56
